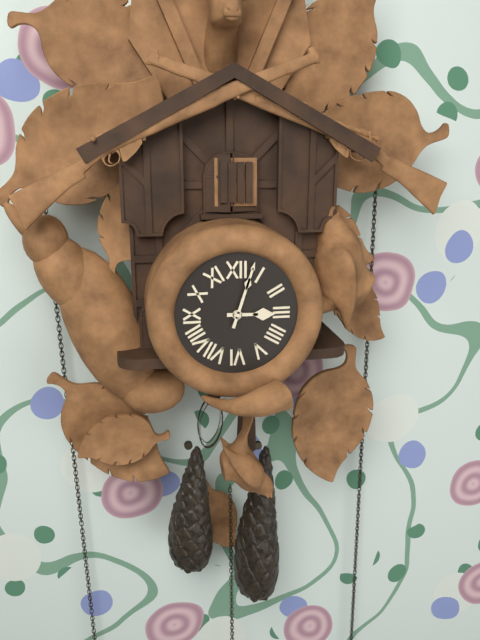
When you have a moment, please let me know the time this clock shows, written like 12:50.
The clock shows 3:03
